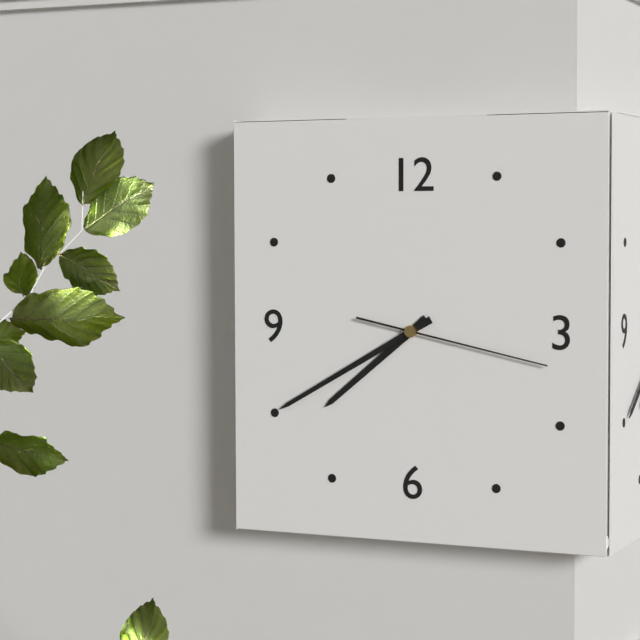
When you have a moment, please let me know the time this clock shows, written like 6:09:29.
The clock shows 7:40:17
